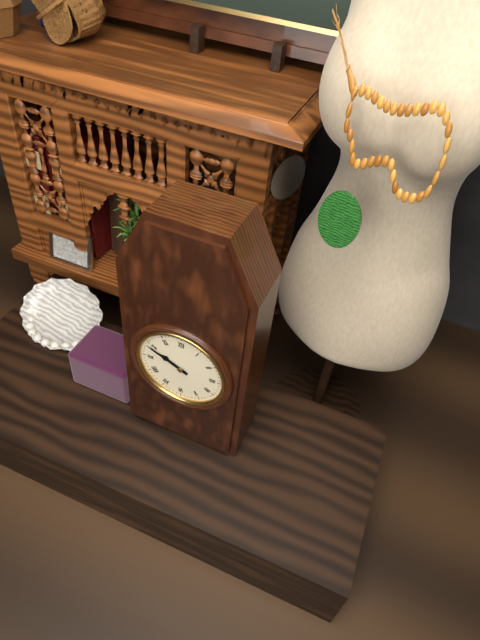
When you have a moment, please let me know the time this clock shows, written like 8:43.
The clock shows 9:49
